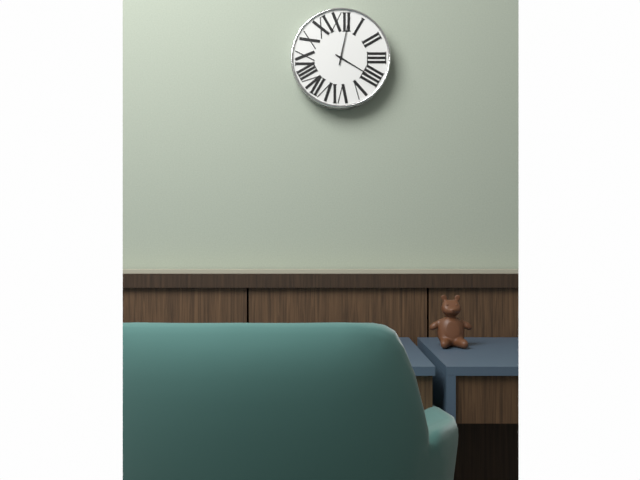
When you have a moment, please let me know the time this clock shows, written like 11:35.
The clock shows 4:02
